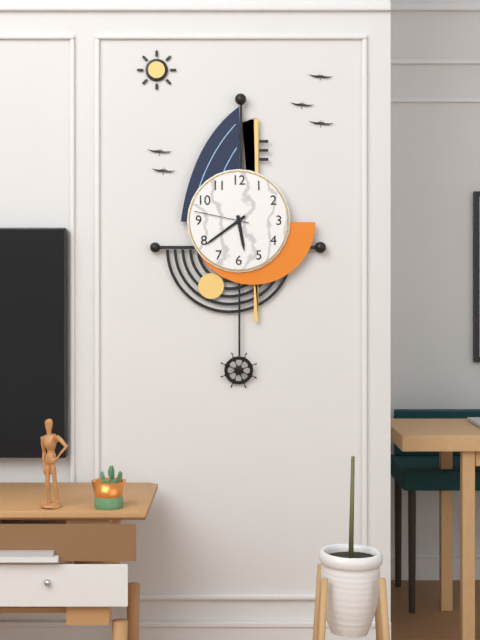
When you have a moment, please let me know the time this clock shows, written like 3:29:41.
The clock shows 5:39:47
